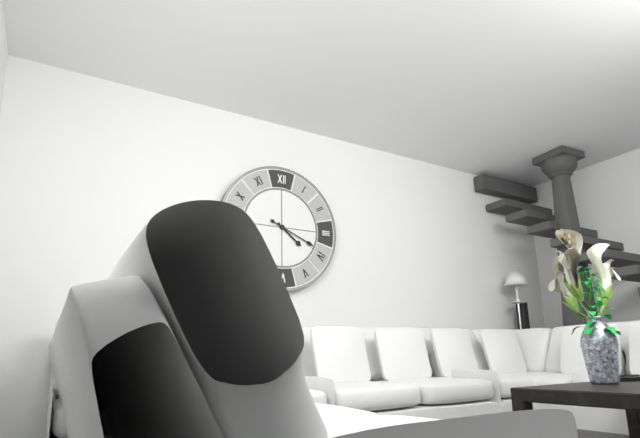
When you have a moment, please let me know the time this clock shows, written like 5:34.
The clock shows 4:19
